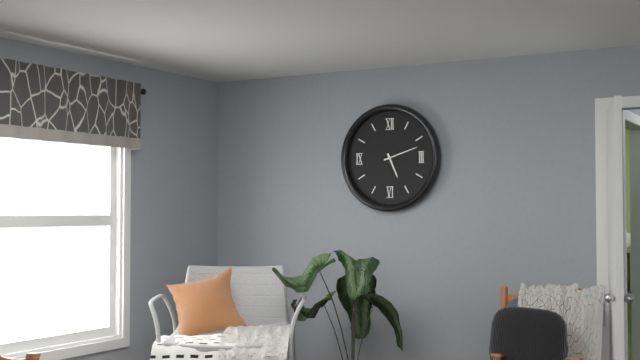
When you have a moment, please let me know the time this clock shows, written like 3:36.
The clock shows 5:12
